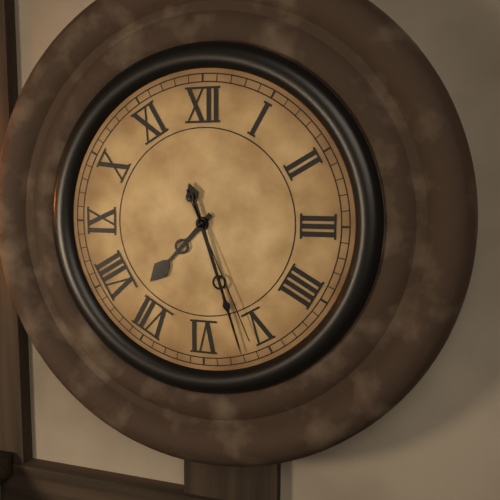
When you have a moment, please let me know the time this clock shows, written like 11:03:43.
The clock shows 7:27:26
